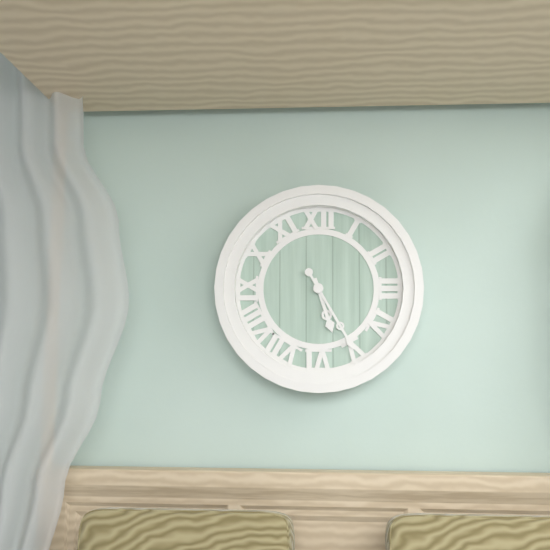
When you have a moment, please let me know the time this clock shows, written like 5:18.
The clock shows 5:25
